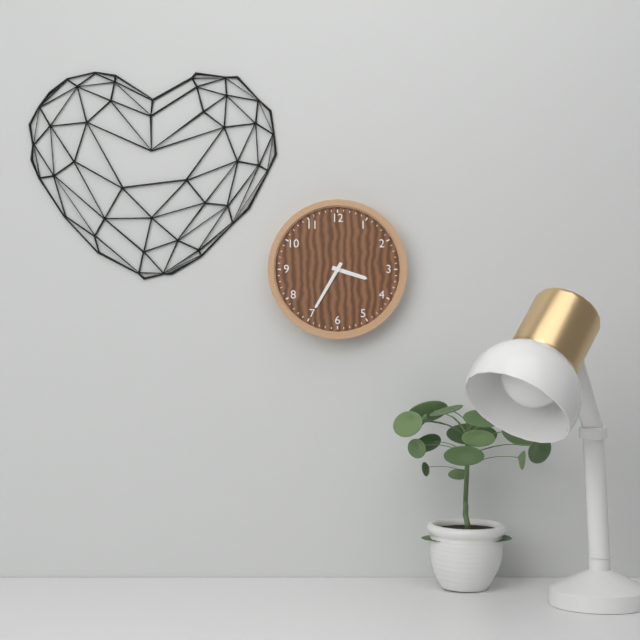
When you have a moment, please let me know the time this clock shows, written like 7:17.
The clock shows 3:35
